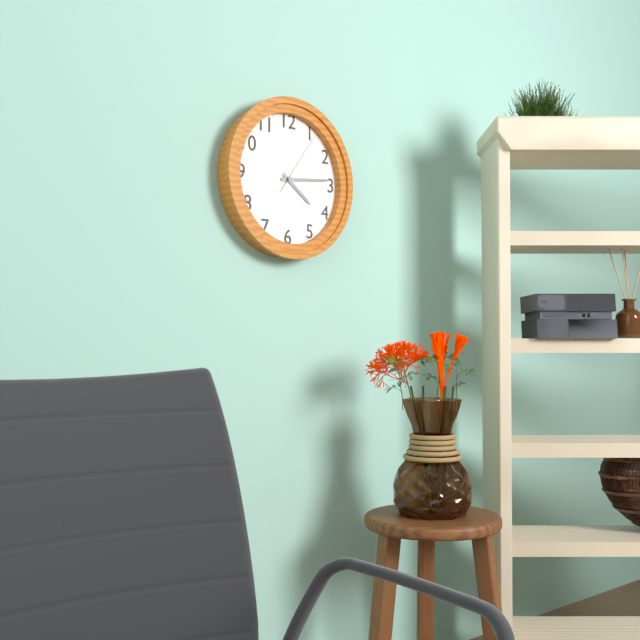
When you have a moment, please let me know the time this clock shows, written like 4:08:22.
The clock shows 4:14:06
